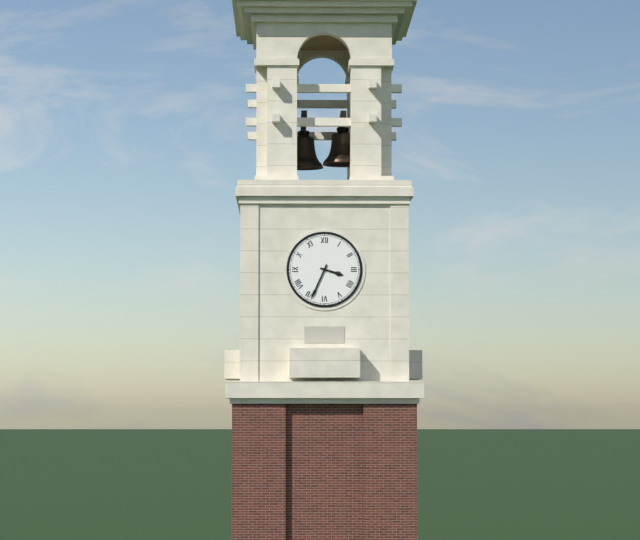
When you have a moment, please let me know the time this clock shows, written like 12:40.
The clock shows 3:34
